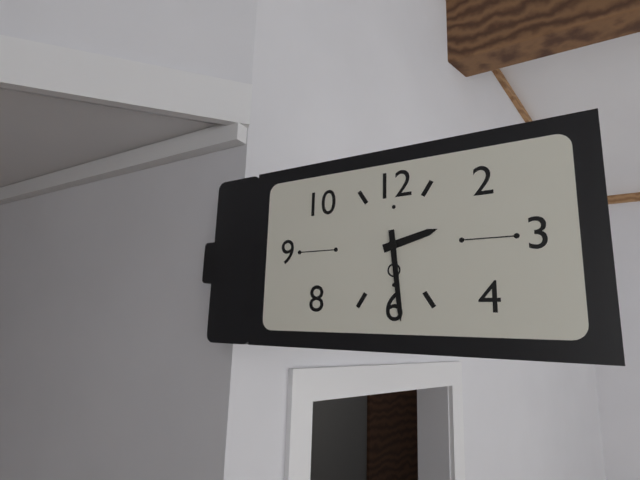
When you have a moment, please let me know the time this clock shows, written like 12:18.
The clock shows 2:29
